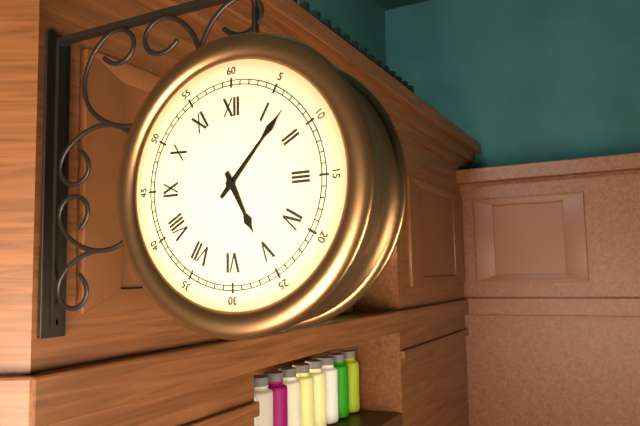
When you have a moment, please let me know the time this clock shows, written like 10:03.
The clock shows 5:07
